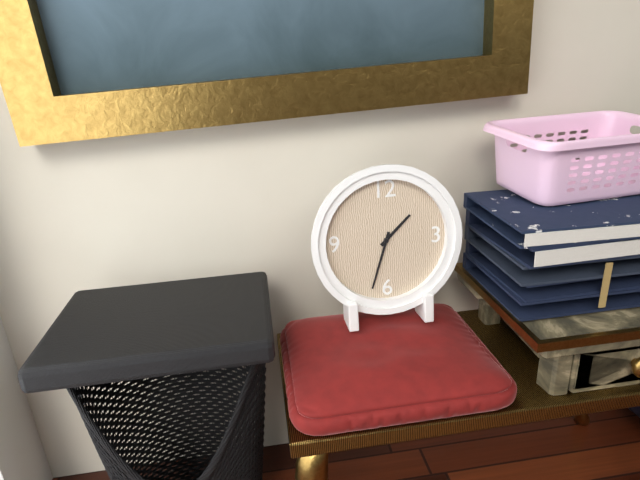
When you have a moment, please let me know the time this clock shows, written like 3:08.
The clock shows 1:33
